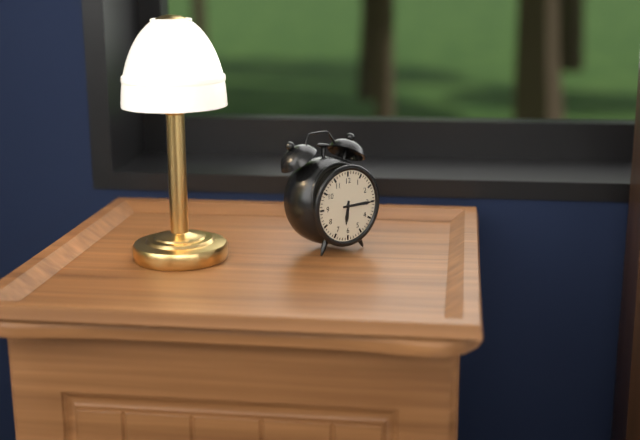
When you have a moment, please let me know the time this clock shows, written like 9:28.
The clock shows 6:15
